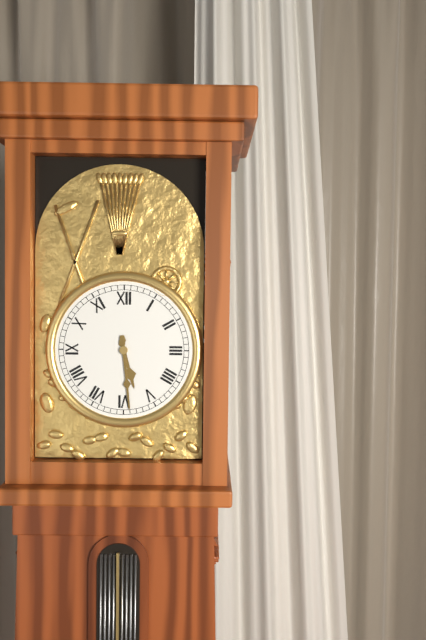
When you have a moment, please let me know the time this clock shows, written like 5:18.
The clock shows 5:29
